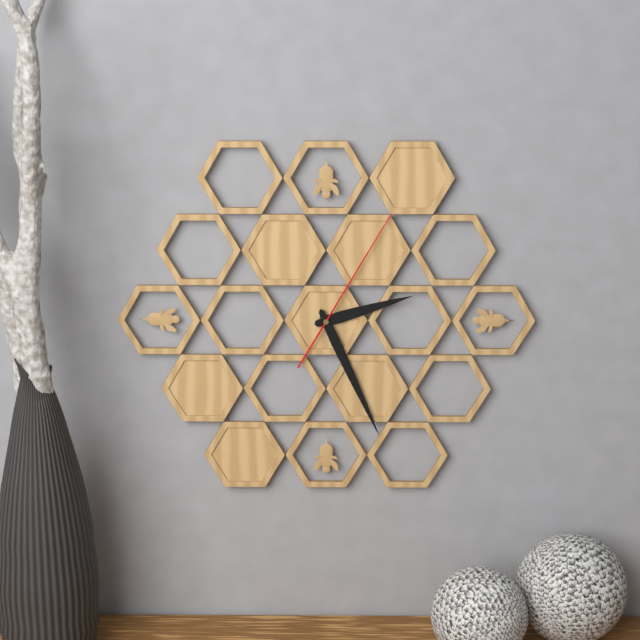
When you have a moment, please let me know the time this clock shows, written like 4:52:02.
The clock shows 2:26:05
